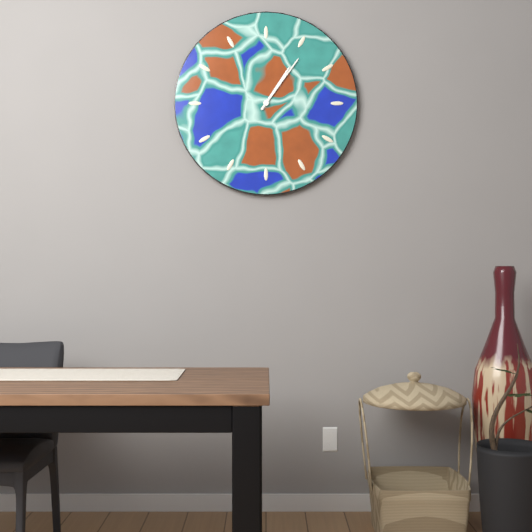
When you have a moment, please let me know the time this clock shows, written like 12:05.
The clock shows 1:06
